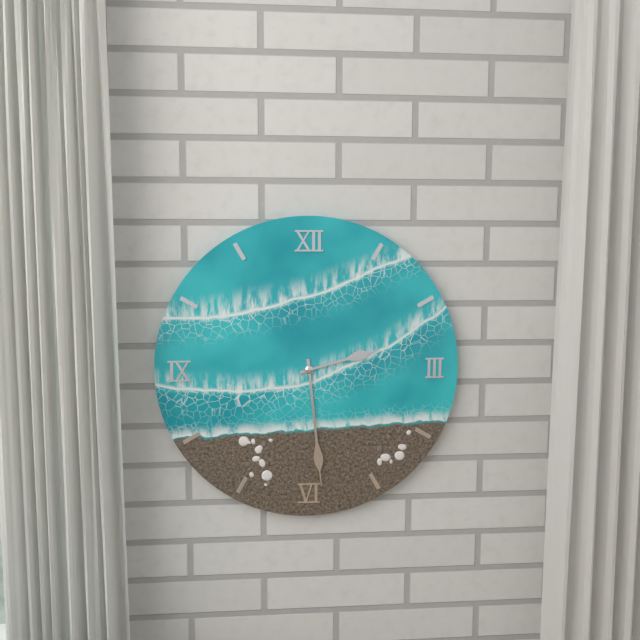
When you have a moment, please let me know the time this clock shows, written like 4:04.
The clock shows 2:29
